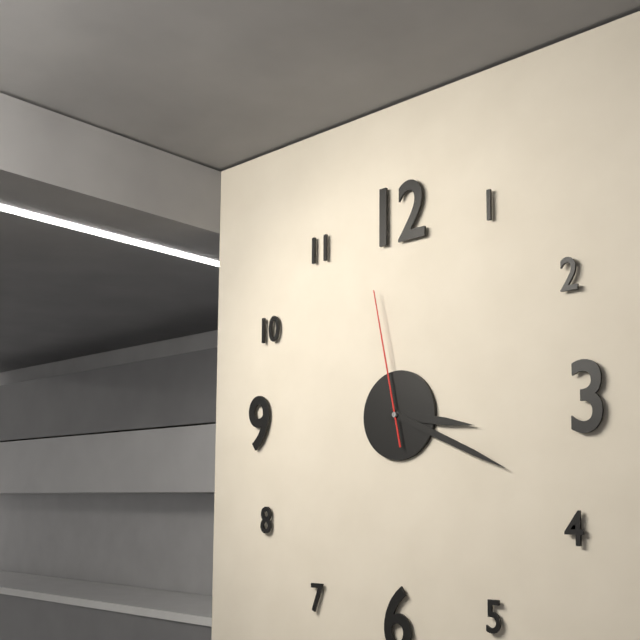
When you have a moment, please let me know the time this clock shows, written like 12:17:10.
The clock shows 3:19:58
